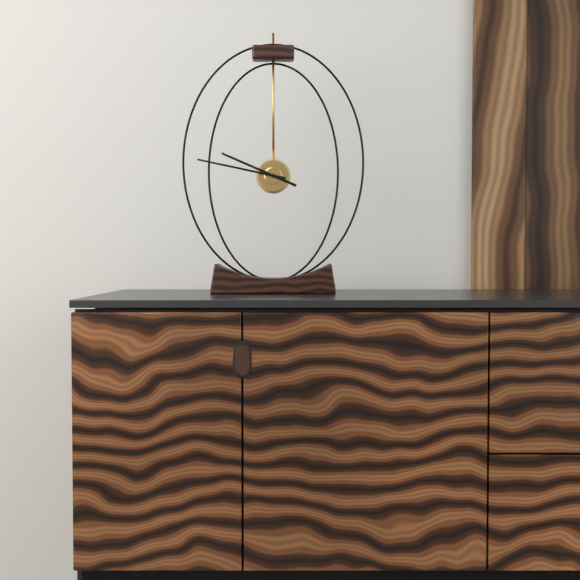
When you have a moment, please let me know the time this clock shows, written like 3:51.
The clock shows 9:47
